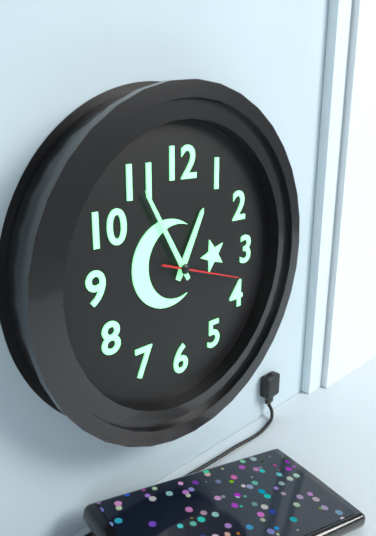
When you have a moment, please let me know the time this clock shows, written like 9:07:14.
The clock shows 12:55:18
